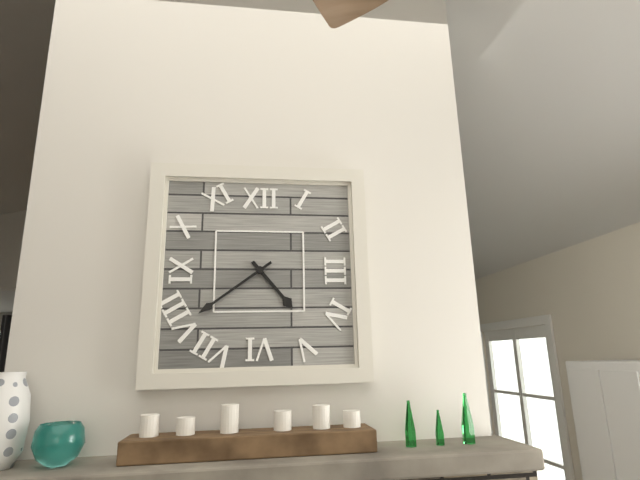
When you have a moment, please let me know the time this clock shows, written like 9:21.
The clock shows 4:39
